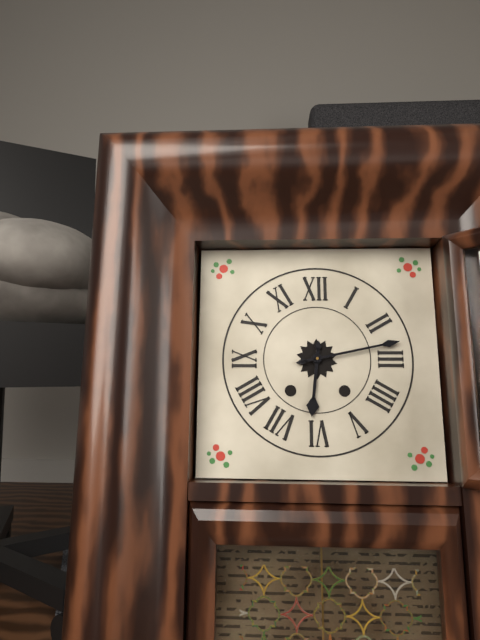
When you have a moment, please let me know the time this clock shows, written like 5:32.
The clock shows 6:13
